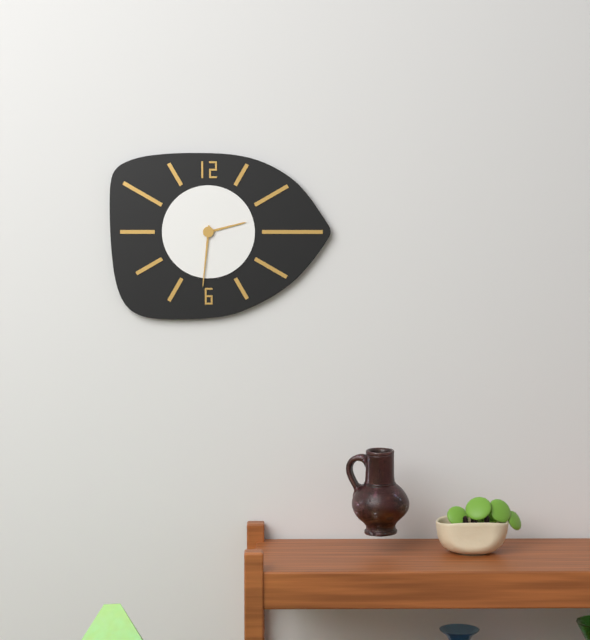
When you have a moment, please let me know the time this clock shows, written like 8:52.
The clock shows 2:31
